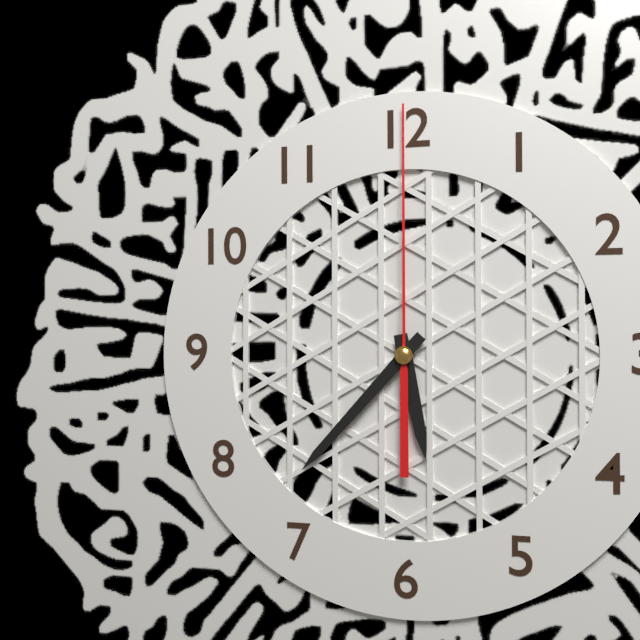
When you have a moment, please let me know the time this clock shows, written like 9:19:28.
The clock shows 5:37:00
